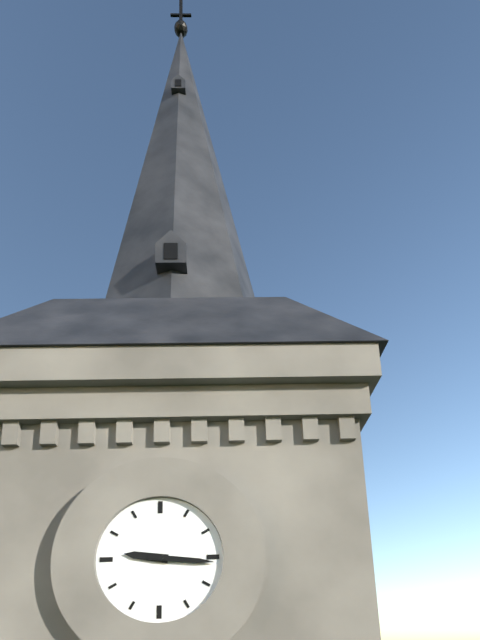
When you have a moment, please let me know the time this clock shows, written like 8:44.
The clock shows 9:16
